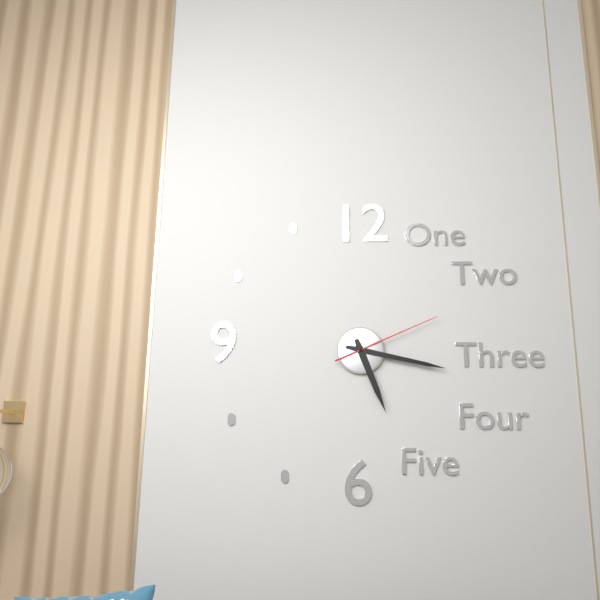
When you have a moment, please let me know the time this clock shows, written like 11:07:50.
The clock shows 5:17:11
